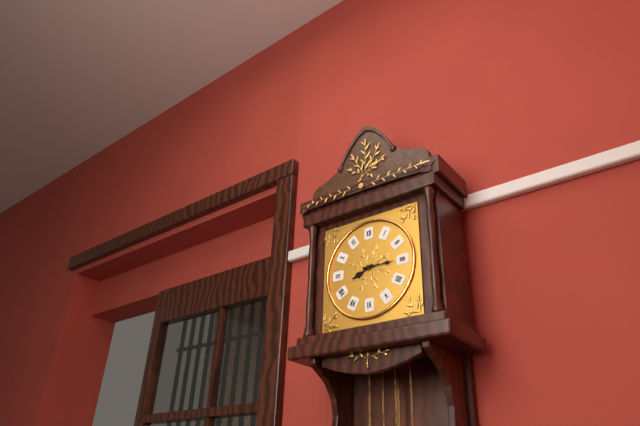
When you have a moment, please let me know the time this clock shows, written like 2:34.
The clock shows 8:15
